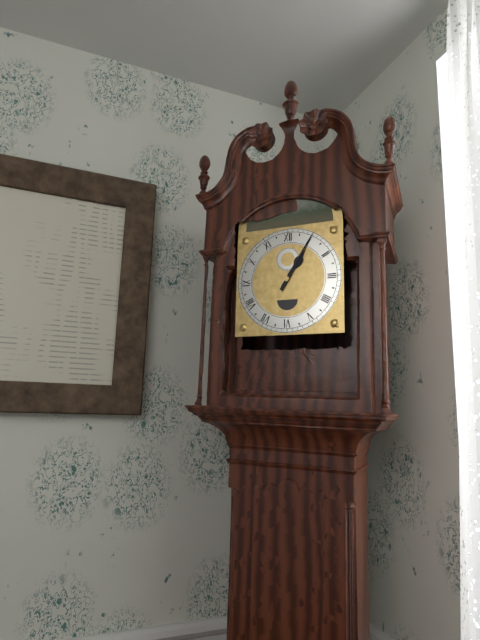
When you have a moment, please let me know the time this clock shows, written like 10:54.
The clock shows 1:05
